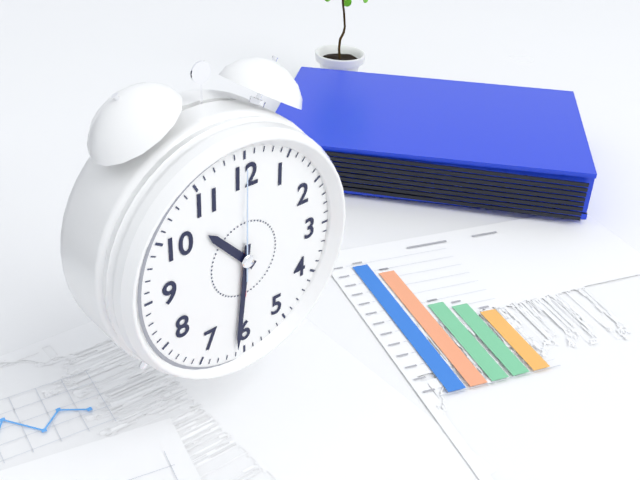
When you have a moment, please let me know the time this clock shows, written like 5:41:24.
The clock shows 10:31:00
